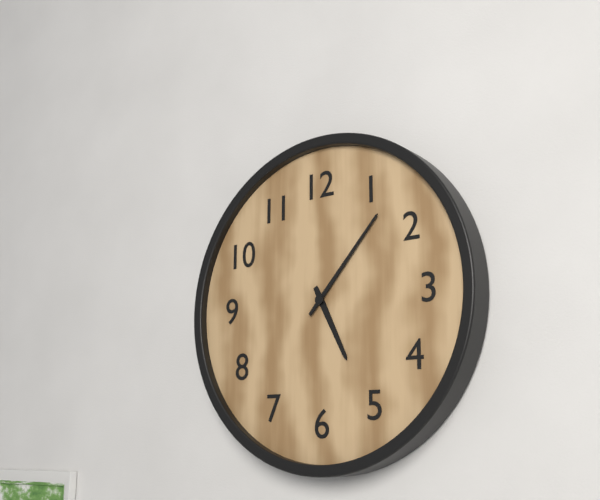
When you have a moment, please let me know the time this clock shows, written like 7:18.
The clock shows 5:07
